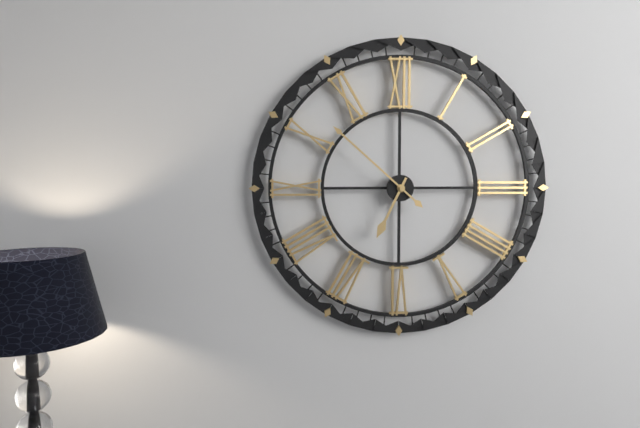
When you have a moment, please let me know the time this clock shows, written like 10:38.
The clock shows 6:52
